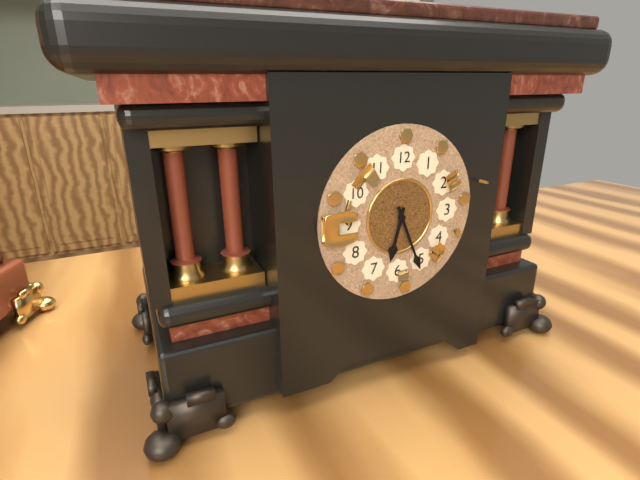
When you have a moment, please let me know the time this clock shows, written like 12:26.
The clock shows 6:26
